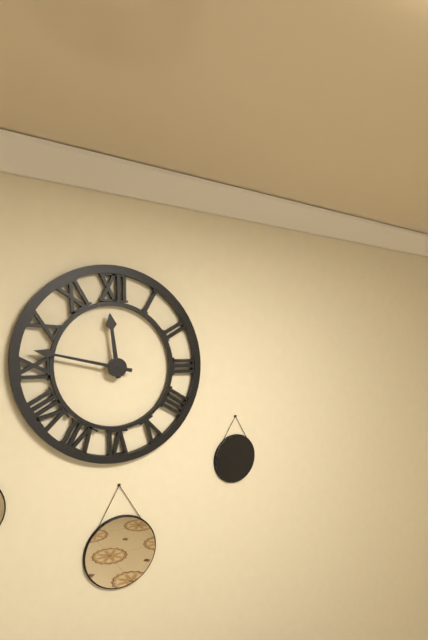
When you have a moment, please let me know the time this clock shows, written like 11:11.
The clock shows 11:47
